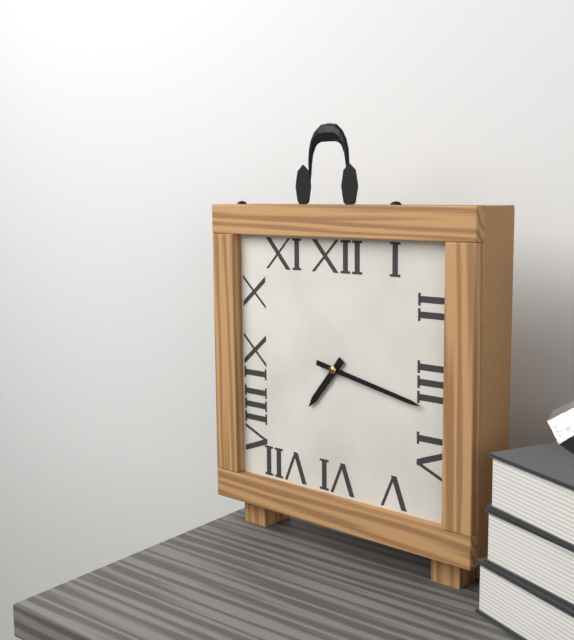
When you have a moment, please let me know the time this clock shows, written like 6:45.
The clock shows 7:17
